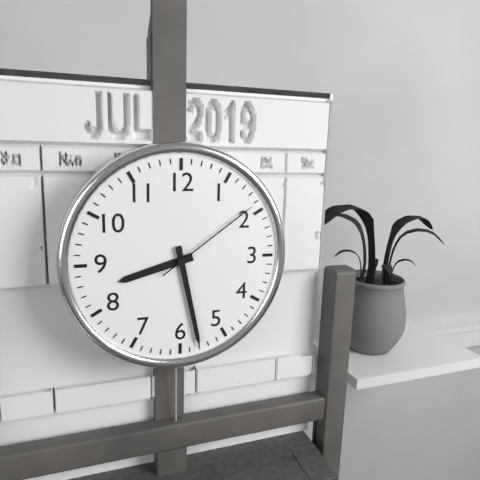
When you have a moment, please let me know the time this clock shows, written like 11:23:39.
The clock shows 8:28:09
